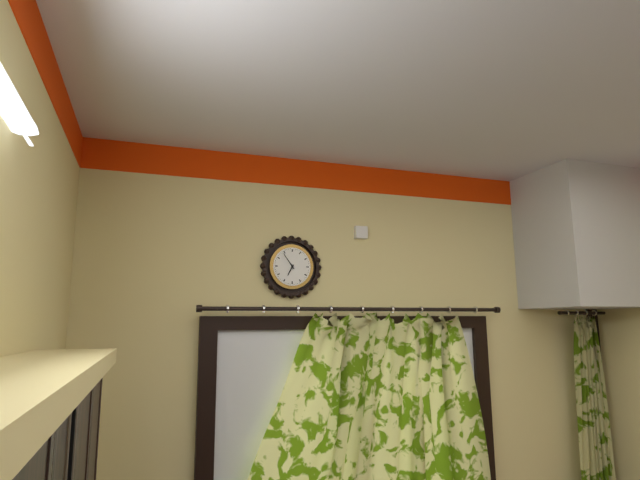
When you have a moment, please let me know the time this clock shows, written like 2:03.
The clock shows 6:54
